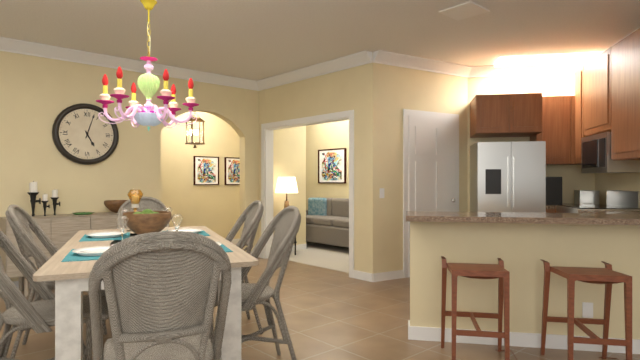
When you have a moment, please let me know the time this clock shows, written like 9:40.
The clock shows 5:03
